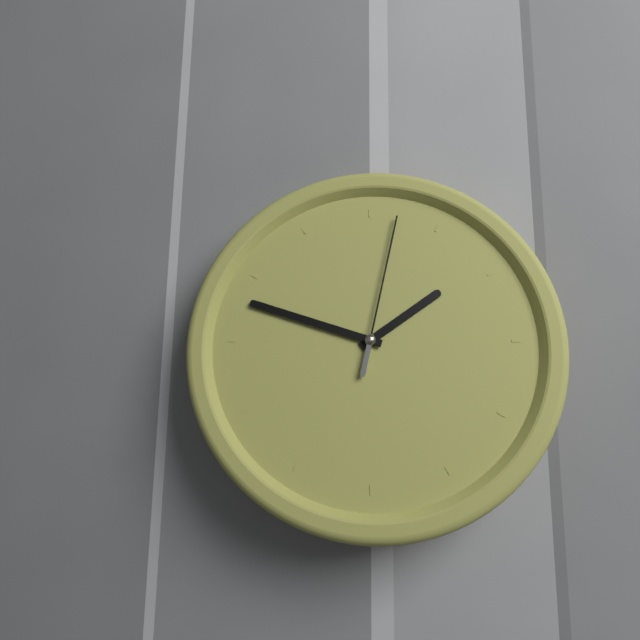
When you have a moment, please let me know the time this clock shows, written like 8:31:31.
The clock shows 1:48:02
